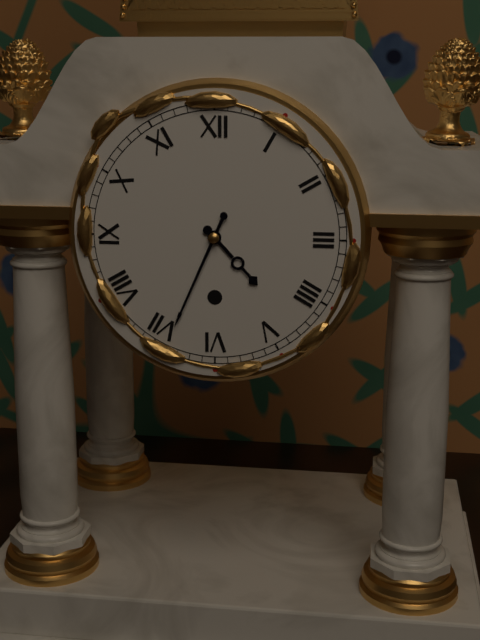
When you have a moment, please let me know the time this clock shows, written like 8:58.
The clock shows 4:34
